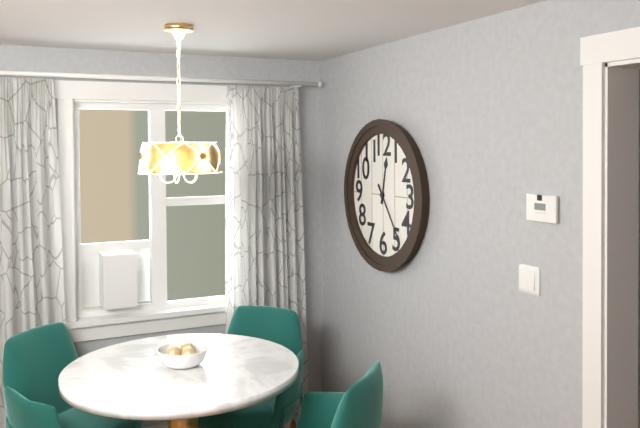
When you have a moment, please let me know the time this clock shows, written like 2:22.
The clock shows 12:24
